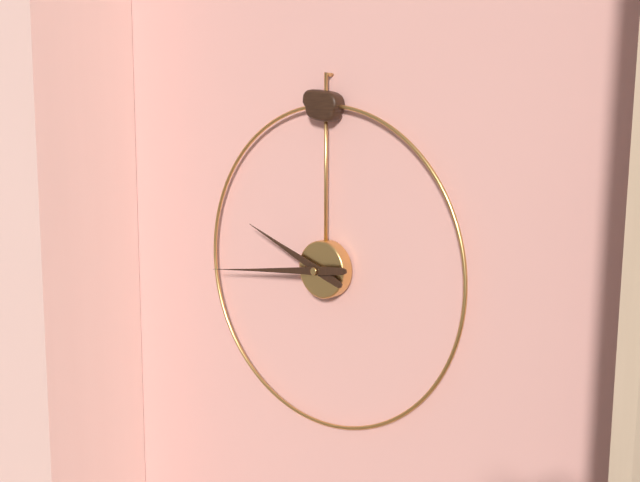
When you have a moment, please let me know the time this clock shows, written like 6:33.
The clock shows 9:44
